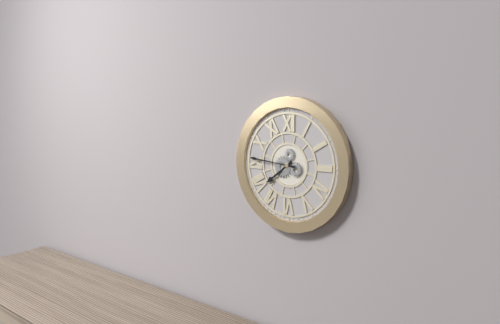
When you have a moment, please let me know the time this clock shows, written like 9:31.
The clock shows 7:46
